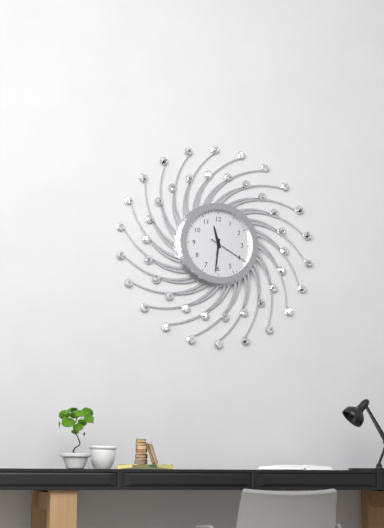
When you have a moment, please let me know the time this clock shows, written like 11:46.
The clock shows 11:31
